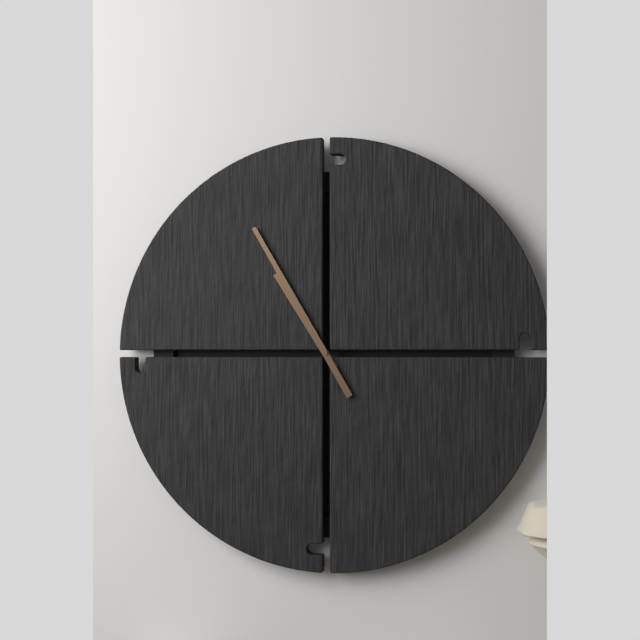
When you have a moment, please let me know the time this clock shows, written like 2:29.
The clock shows 10:55
